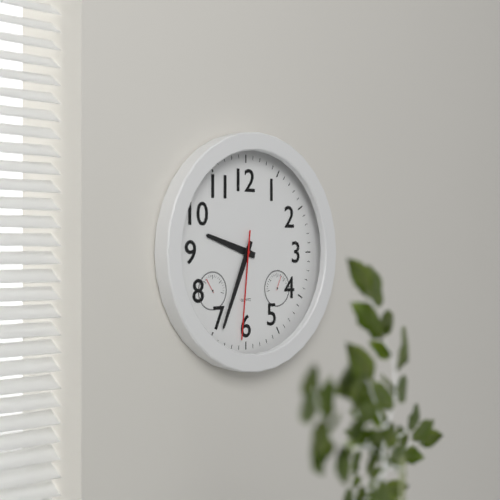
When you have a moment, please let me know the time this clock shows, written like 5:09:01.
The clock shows 9:34:31
